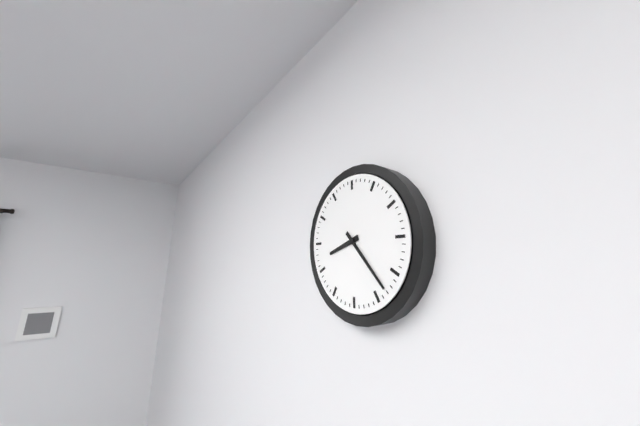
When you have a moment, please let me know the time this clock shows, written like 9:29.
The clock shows 8:23
